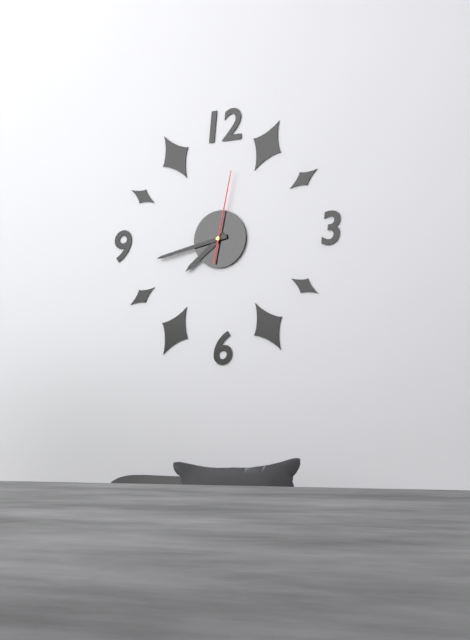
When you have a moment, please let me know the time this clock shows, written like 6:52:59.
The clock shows 7:43:02
